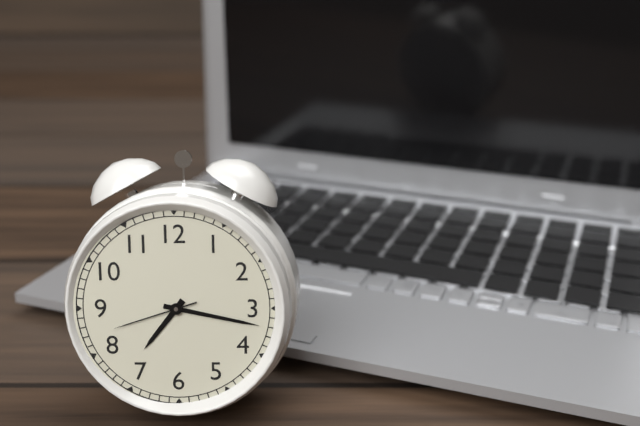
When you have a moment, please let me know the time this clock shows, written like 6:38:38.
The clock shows 7:17:42
